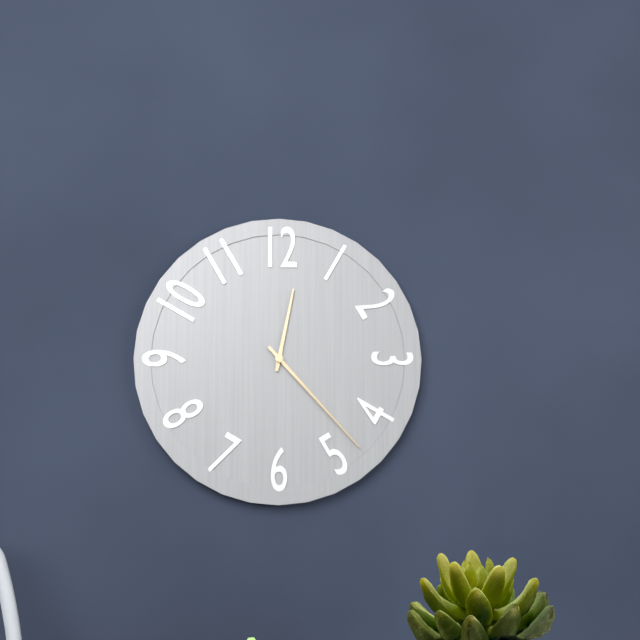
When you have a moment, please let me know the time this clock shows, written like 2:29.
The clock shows 12:23
